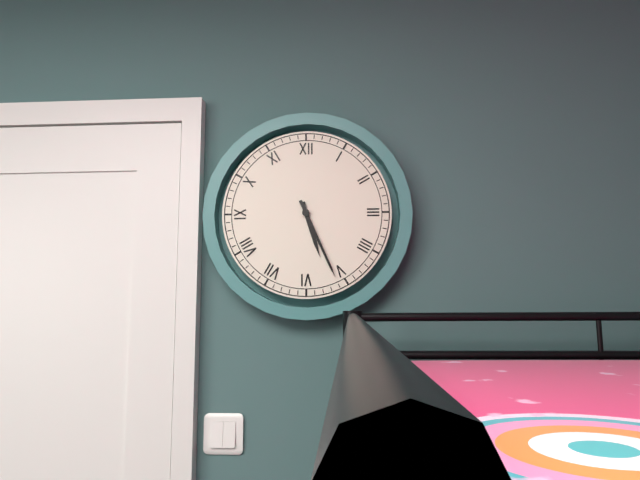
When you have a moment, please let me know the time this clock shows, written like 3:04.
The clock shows 5:26
